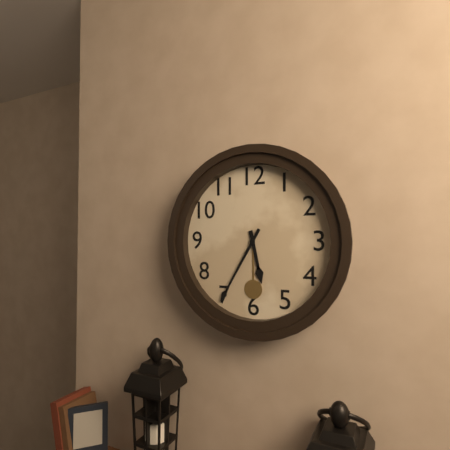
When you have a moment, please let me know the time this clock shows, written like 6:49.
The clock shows 5:35
